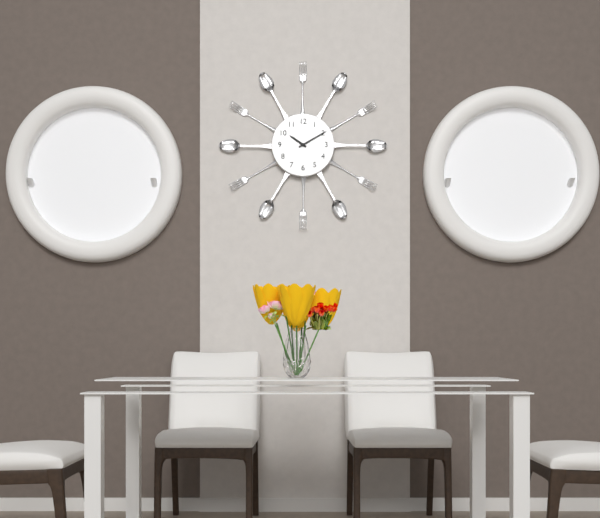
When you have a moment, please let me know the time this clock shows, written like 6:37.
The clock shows 10:10
